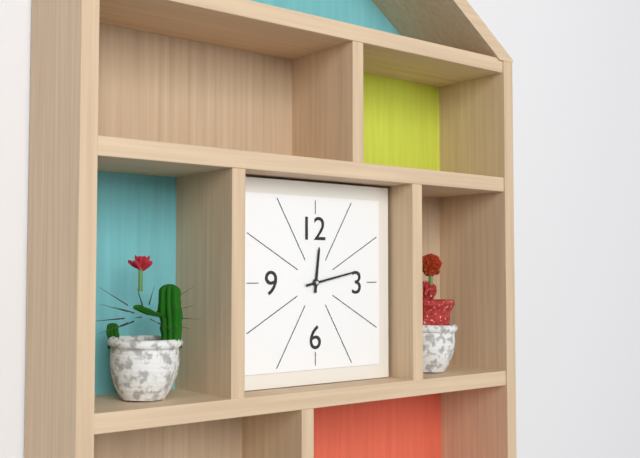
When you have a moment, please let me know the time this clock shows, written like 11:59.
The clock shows 12:13
